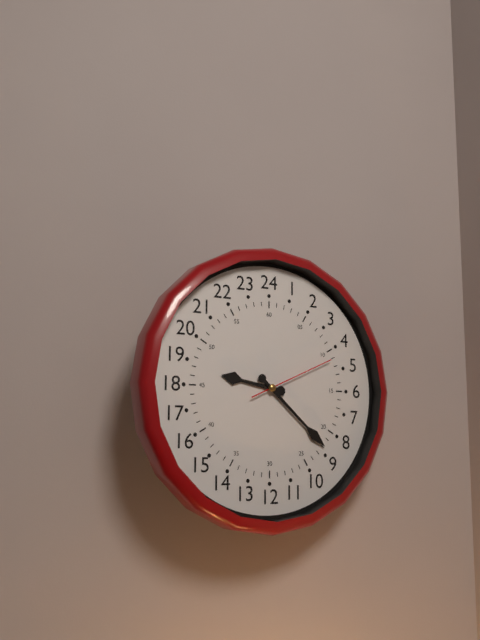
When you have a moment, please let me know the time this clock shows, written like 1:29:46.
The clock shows 9:22:11
